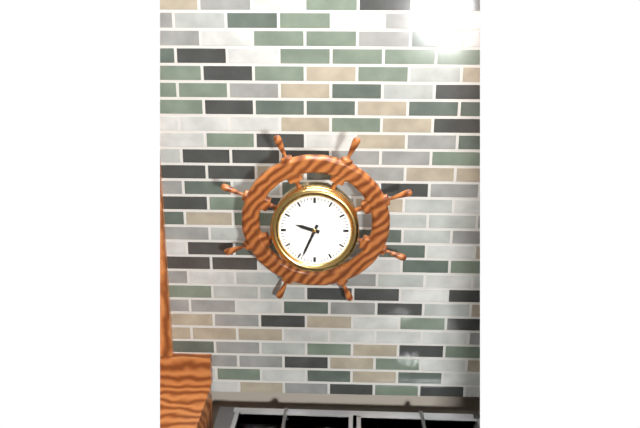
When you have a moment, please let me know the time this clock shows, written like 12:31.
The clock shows 9:34
